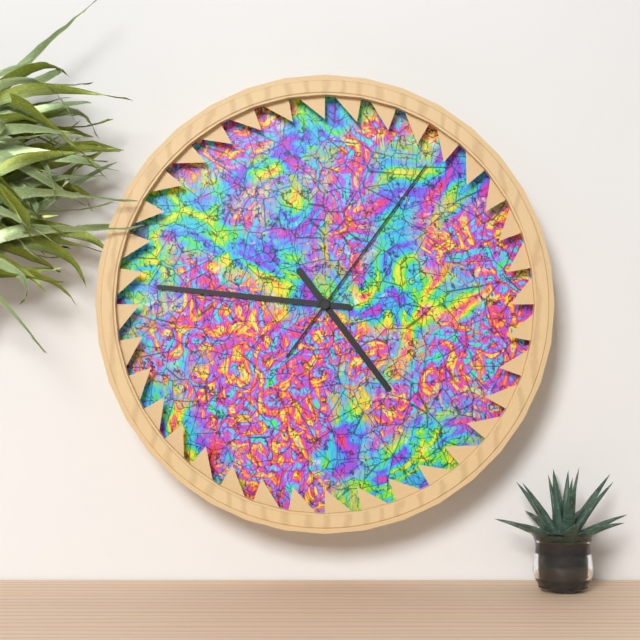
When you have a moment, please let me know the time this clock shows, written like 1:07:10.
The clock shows 4:46:06
